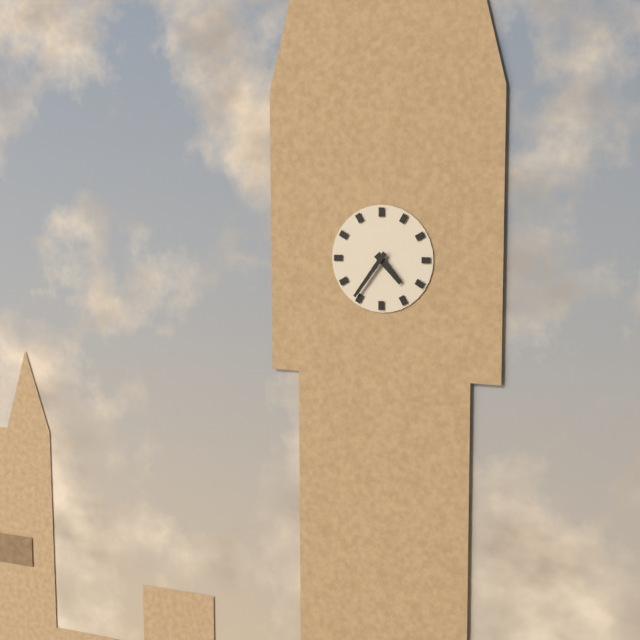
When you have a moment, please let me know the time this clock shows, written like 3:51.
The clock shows 4:36
